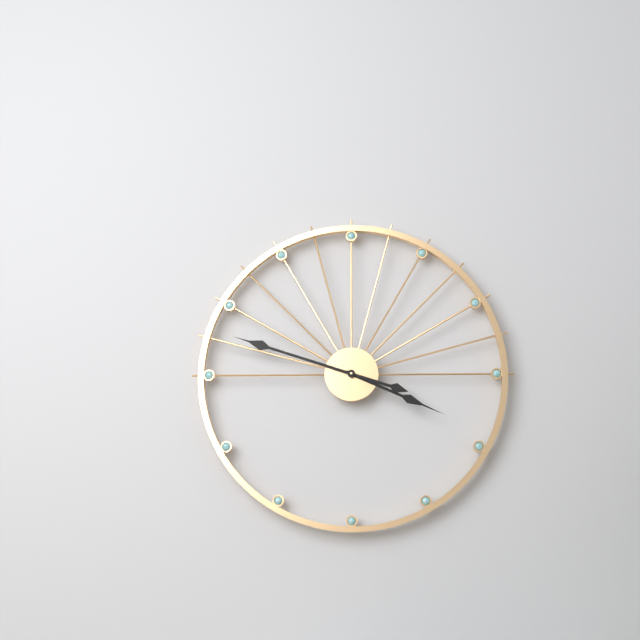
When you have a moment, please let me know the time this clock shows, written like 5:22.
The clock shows 3:48
